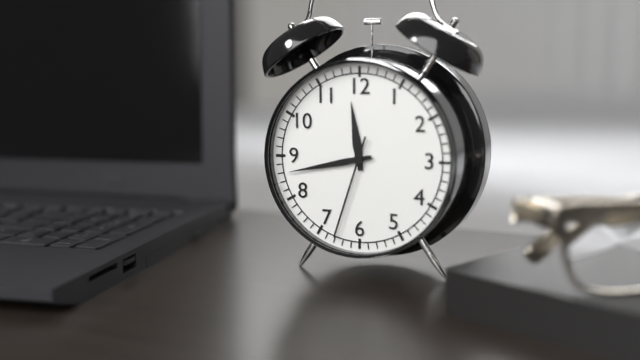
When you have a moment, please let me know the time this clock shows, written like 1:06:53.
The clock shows 11:43:33
